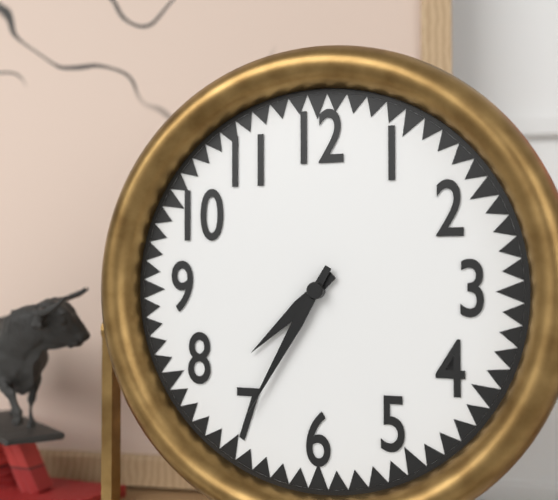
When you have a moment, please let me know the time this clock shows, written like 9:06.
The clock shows 7:35
